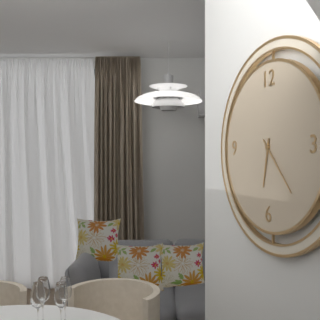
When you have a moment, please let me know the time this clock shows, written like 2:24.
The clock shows 6:23
